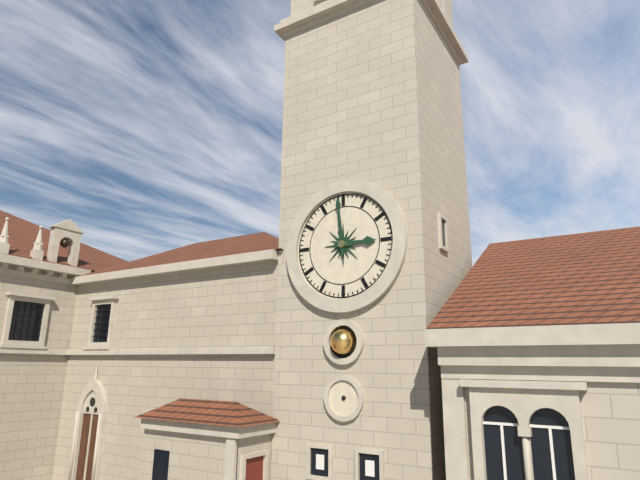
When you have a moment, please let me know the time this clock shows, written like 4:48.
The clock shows 2:59
